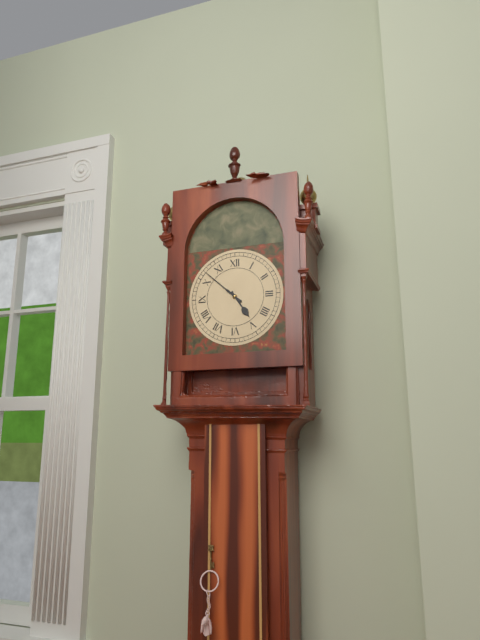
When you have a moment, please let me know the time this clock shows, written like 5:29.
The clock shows 4:52
